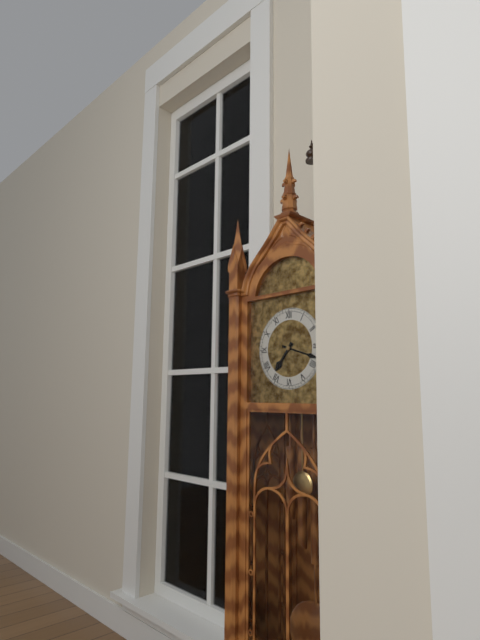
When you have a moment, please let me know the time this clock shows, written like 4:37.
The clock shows 7:18
